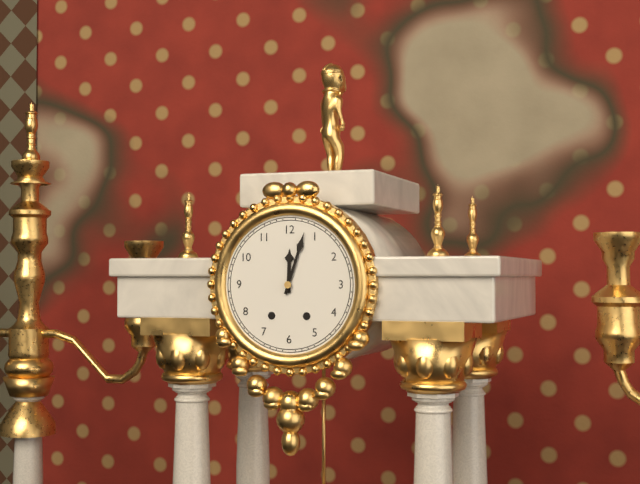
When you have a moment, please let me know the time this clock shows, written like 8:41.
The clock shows 12:03
